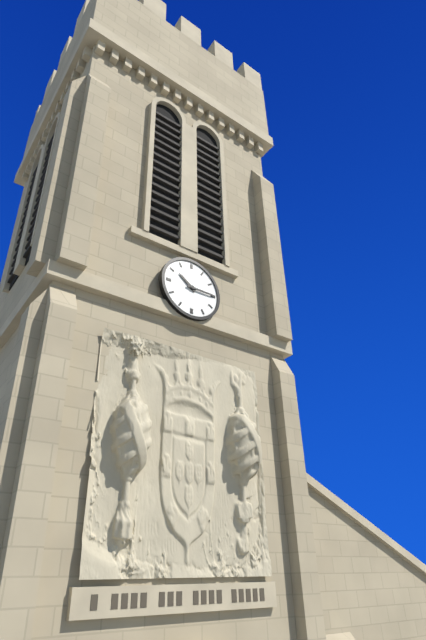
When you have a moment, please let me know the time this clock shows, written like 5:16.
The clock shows 10:15
